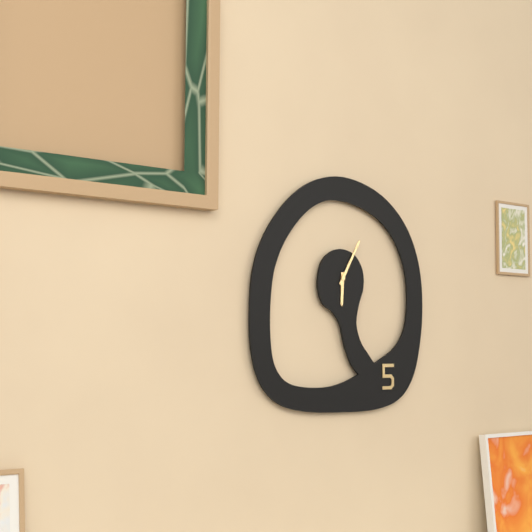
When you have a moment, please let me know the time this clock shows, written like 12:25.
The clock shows 6:05
